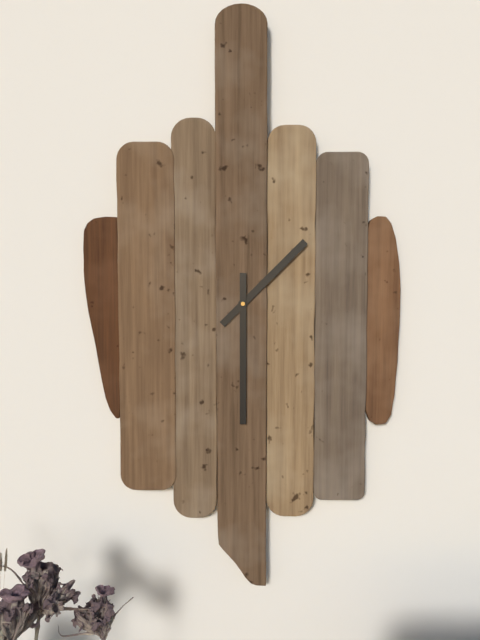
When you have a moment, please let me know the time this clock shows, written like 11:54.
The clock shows 1:30
